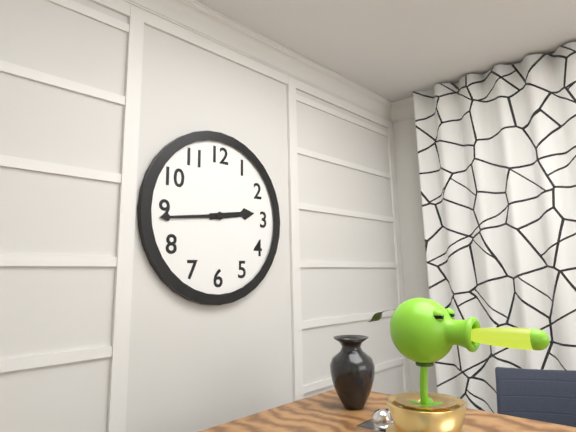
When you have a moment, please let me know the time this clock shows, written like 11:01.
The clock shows 2:44
